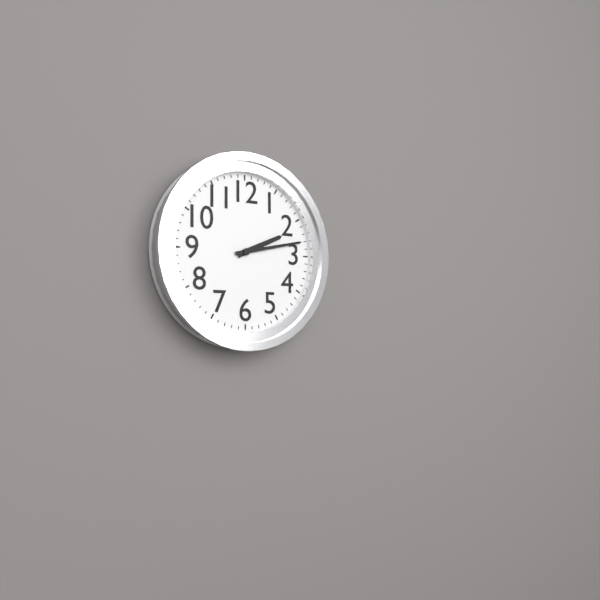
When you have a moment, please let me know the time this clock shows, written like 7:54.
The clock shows 2:13
